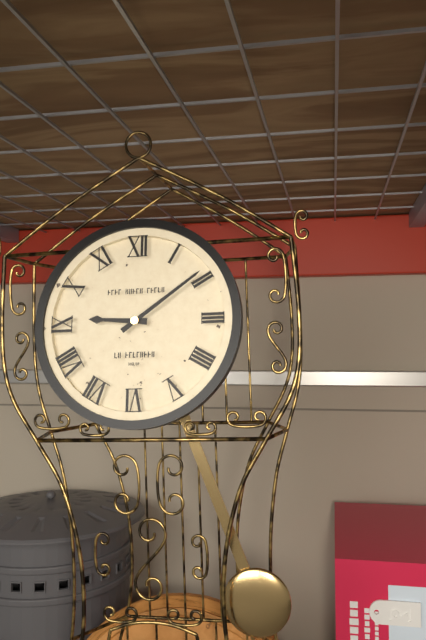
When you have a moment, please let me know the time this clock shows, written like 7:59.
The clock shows 9:09
